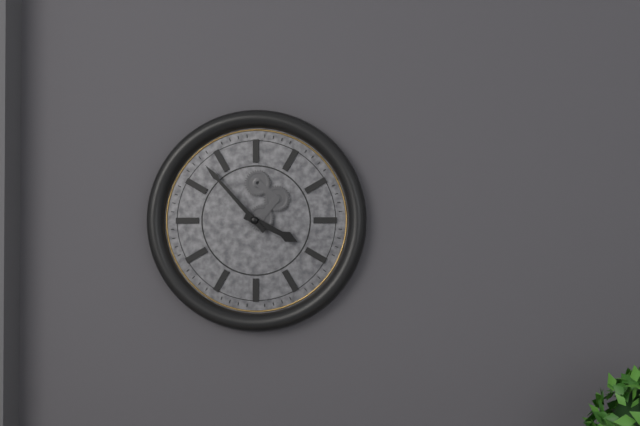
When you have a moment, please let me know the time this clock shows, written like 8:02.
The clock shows 3:53
